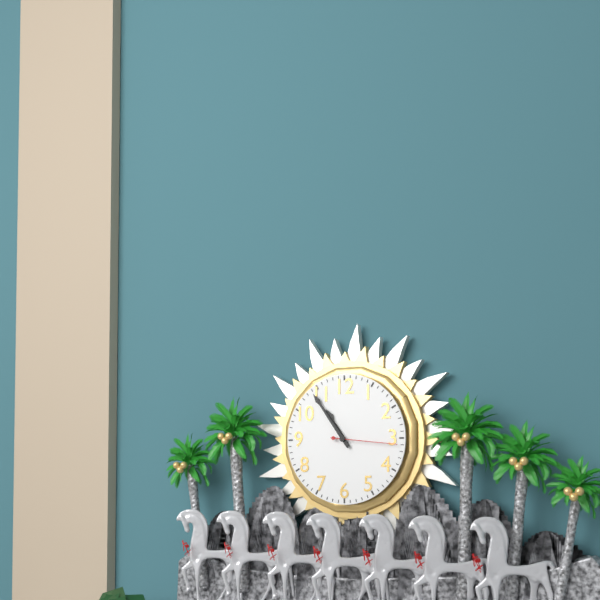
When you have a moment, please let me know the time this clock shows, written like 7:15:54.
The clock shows 10:54:16
